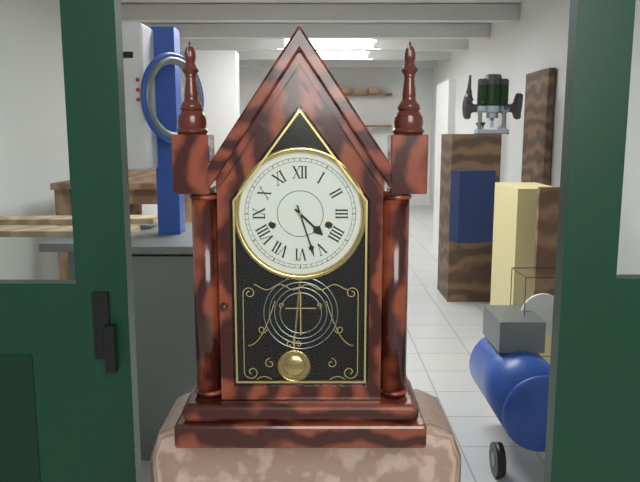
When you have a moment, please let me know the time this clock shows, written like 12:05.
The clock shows 4:27
